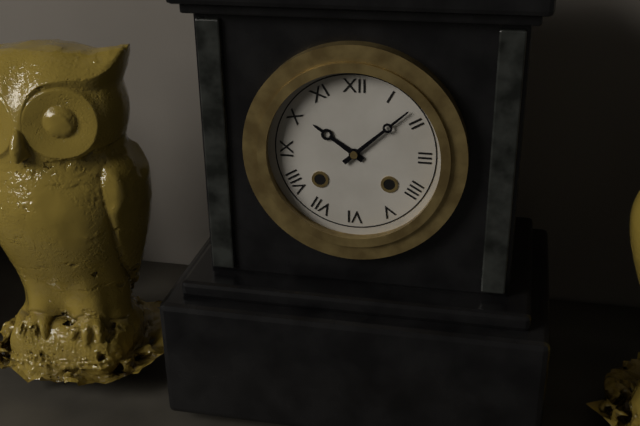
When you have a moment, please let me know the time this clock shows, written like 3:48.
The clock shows 10:08
